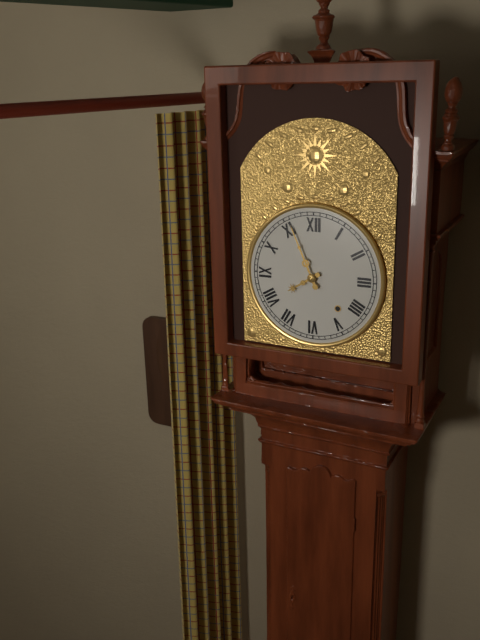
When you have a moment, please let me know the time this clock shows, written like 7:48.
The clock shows 7:56
